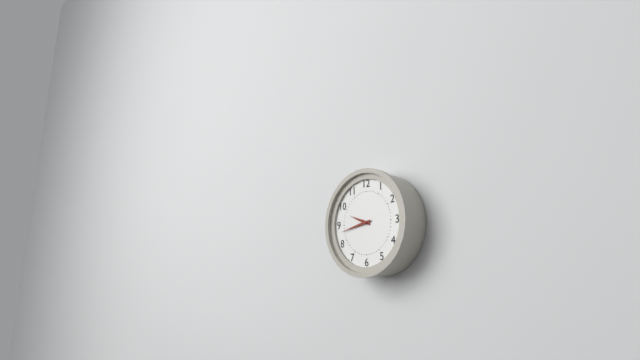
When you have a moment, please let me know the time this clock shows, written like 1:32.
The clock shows 9:43
